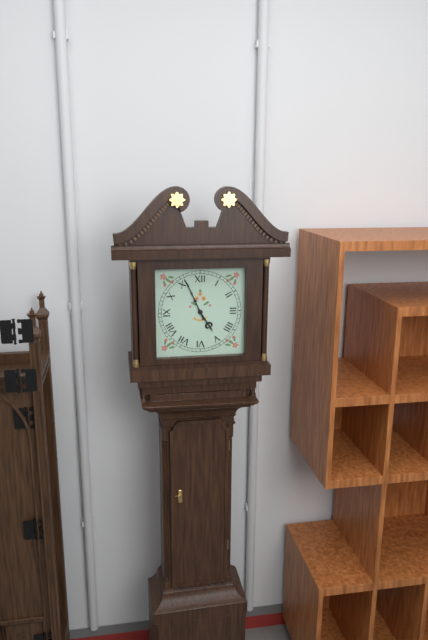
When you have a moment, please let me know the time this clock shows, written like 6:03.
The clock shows 4:56
